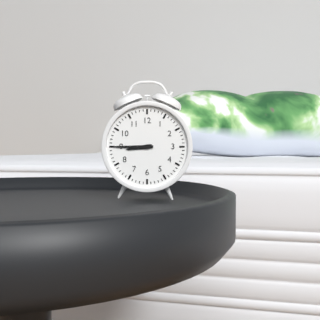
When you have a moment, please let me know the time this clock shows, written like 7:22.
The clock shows 8:45
